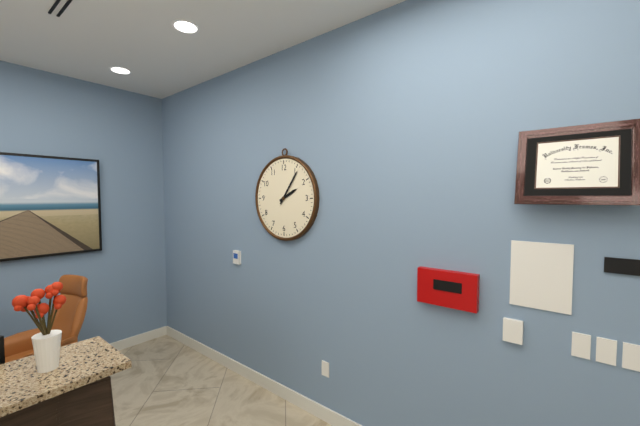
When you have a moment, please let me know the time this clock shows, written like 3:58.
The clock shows 2:06
